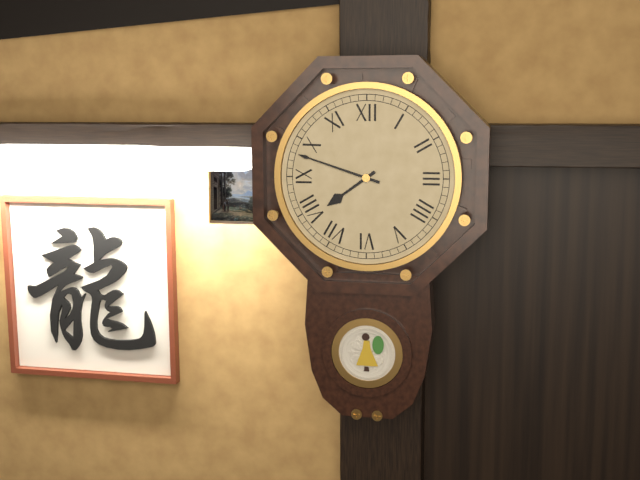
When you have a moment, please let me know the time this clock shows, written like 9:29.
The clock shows 7:48
